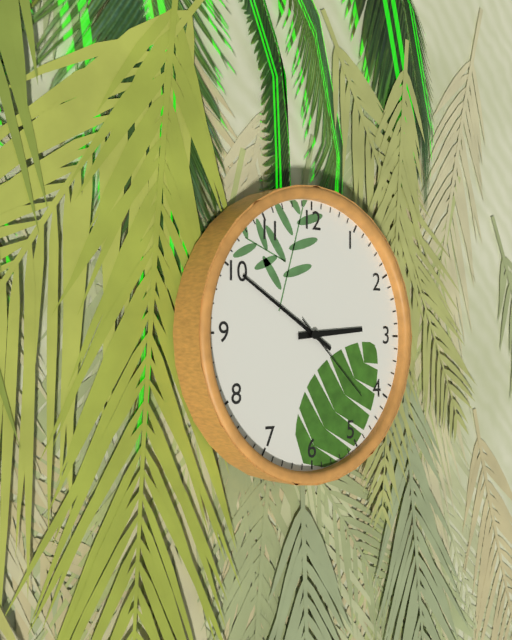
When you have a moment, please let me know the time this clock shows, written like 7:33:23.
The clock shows 2:50:22
